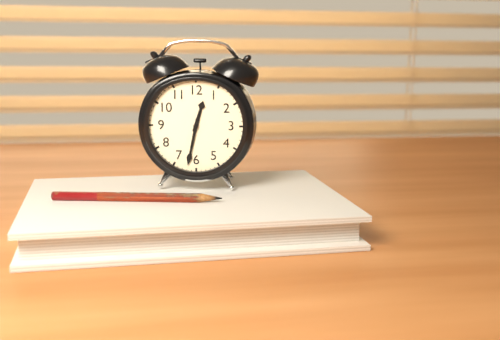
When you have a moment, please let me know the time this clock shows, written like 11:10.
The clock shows 12:32
